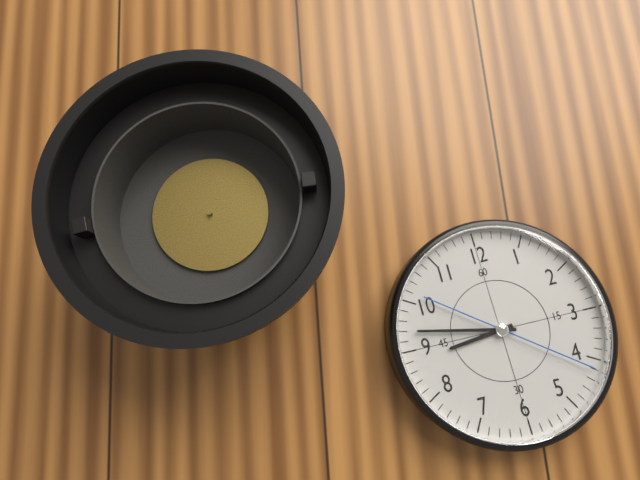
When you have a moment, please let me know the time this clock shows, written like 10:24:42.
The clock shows 8:47:21
